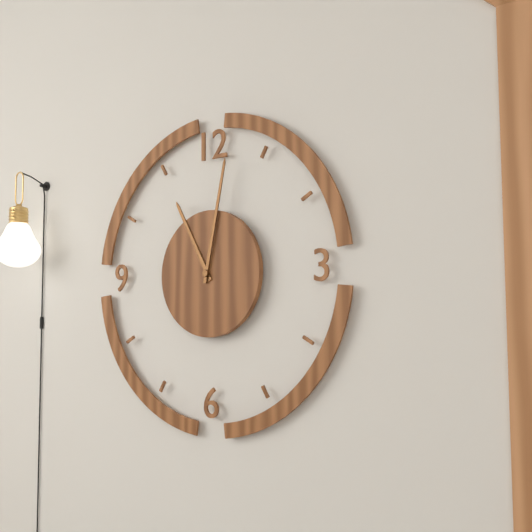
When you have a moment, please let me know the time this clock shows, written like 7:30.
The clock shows 11:02
